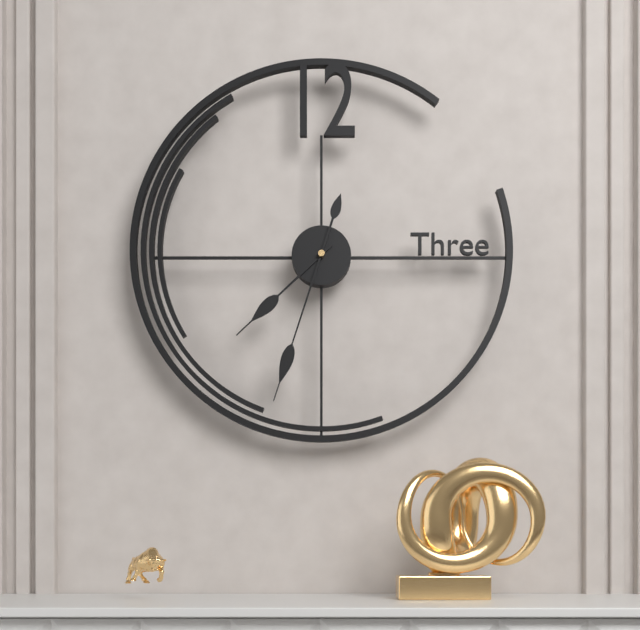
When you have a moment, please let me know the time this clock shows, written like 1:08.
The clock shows 7:33
